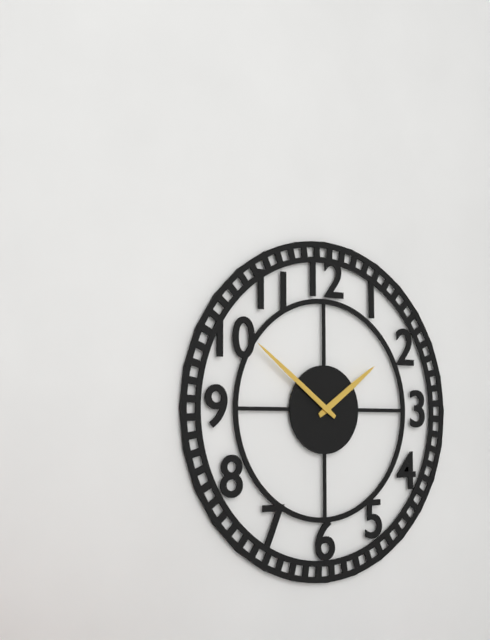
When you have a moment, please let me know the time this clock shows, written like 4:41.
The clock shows 1:51
